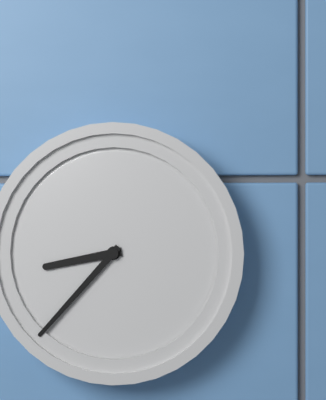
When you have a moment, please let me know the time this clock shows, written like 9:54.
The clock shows 8:37
